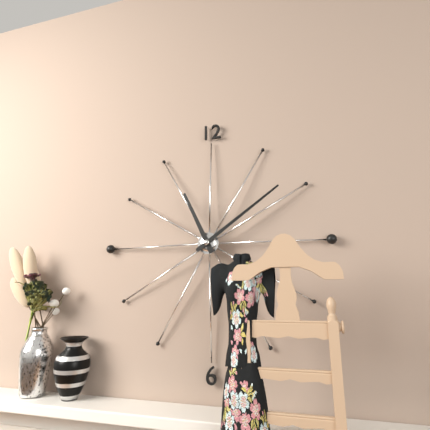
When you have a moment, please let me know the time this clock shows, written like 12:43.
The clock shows 11:09
